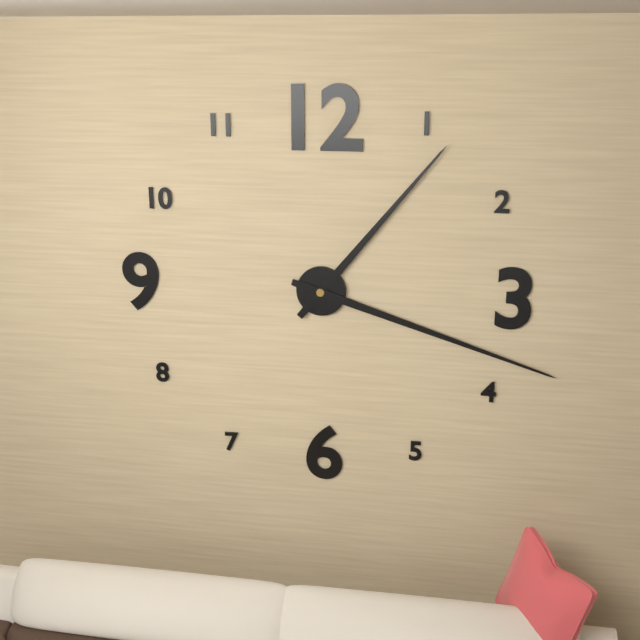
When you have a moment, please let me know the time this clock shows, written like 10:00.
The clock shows 1:18
